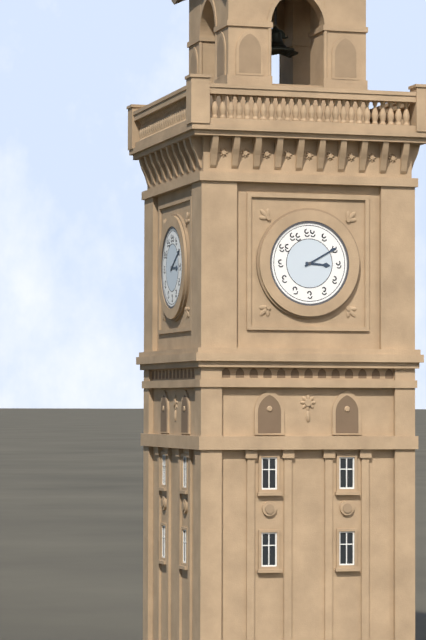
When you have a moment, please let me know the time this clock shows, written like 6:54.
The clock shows 3:10
